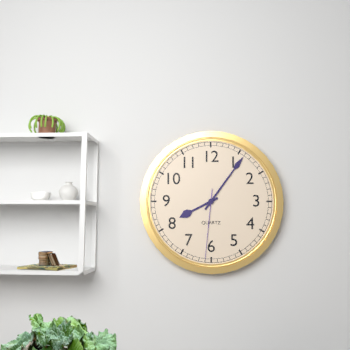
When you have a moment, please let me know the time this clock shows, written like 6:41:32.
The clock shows 8:06:31
